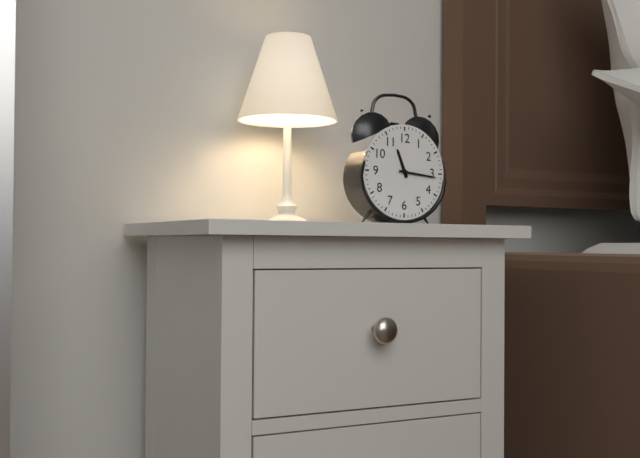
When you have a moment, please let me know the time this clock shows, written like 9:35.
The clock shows 11:16
